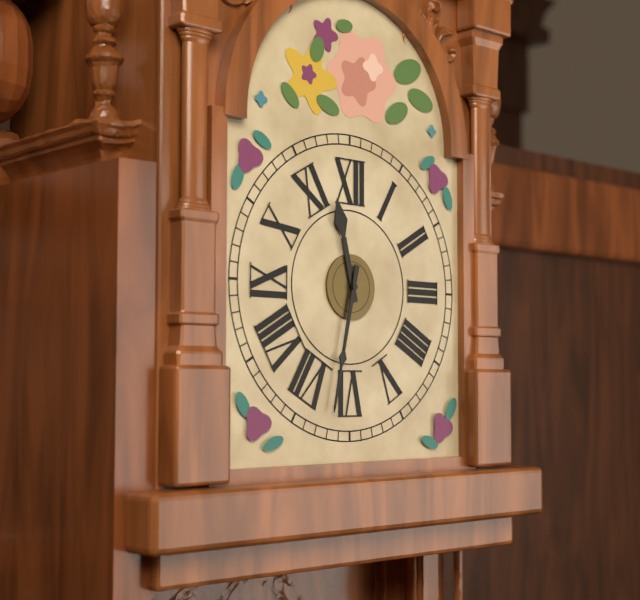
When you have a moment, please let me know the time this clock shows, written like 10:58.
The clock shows 11:32
